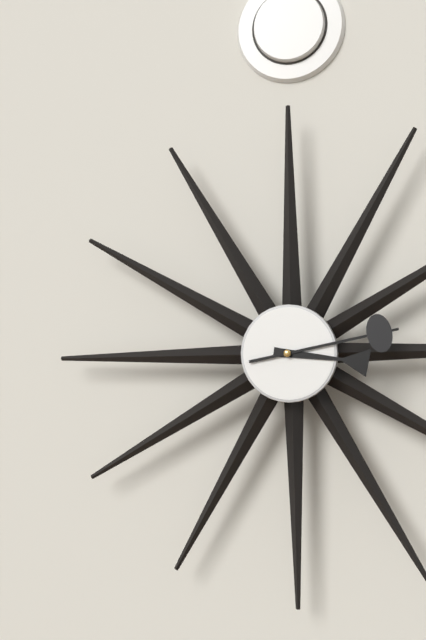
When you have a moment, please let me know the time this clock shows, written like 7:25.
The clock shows 3:13
